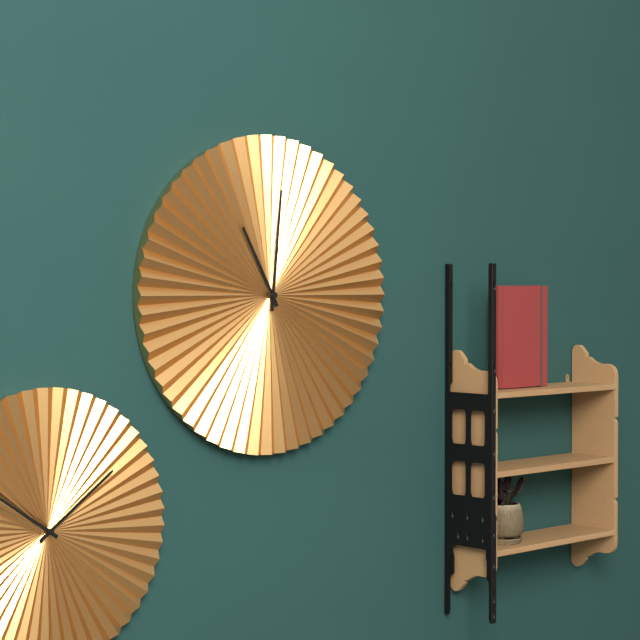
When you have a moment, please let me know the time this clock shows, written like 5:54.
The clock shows 11:01
